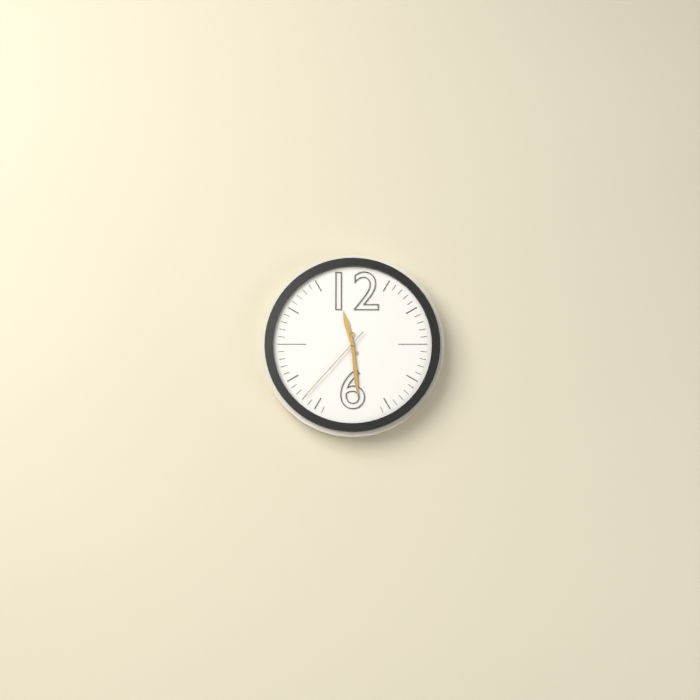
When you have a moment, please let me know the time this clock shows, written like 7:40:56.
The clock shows 11:29:37
